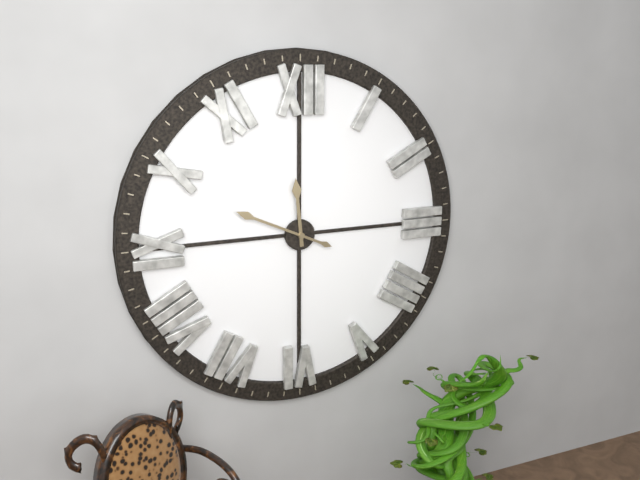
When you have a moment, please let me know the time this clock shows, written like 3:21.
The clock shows 11:49
